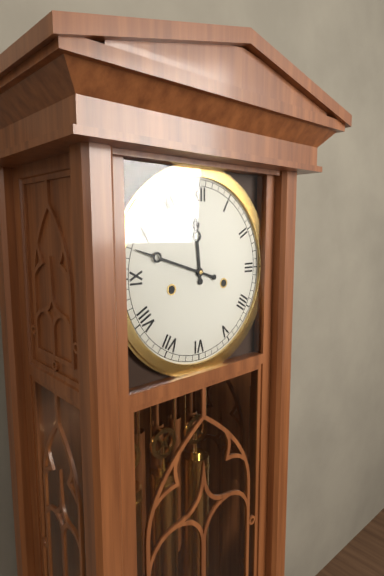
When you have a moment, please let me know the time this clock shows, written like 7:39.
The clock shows 11:48
